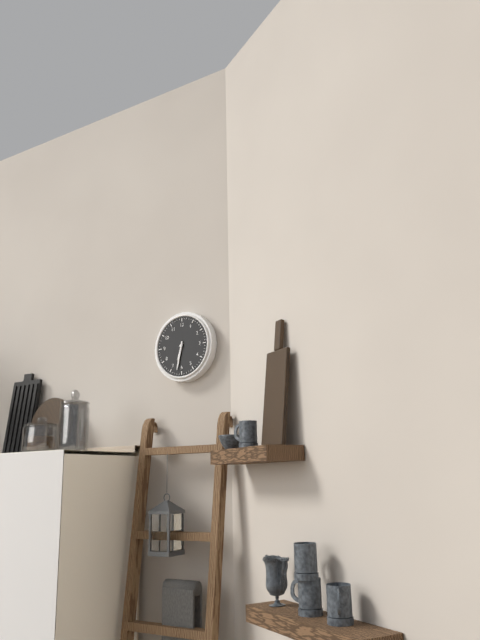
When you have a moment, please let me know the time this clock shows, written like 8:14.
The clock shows 6:32
